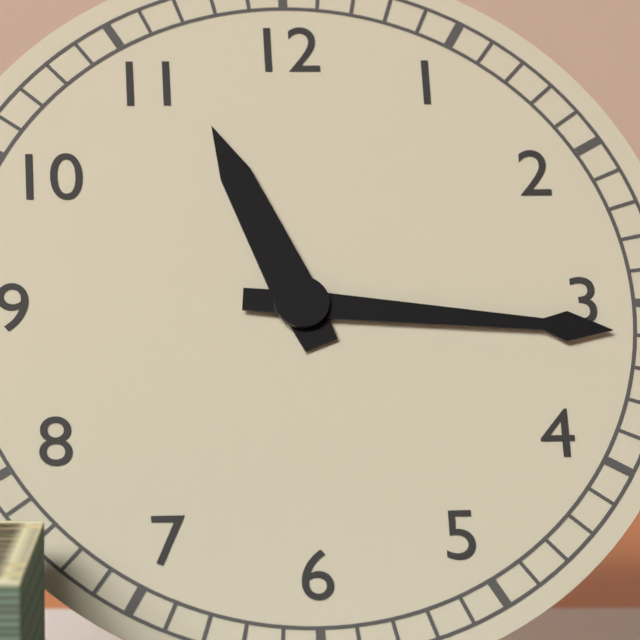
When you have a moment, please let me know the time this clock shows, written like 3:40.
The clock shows 11:16
